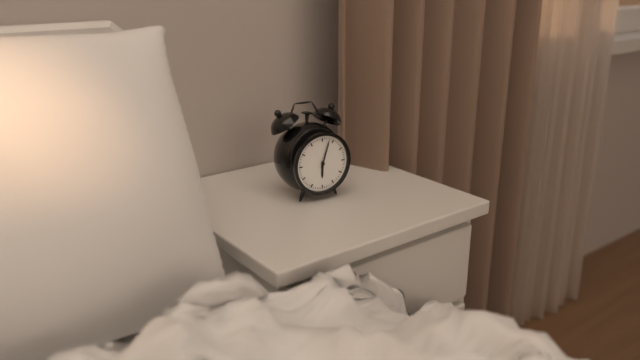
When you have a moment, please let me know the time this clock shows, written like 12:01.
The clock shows 6:03
